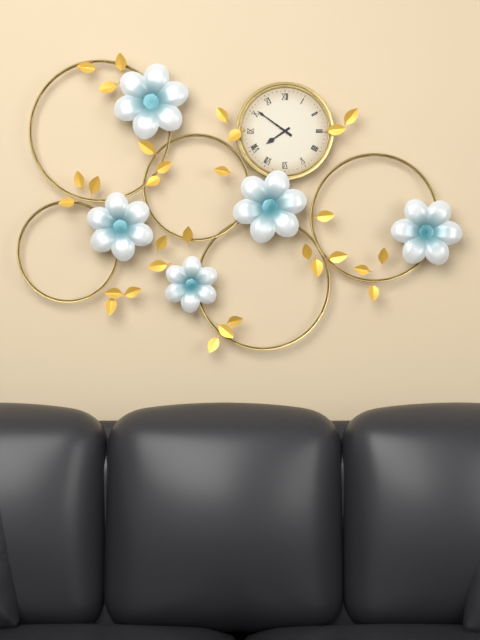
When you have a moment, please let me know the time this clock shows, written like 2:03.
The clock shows 7:51
